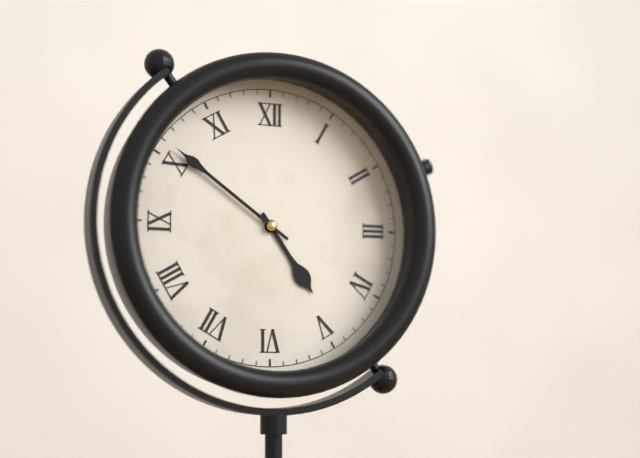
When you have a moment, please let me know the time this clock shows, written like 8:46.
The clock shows 4:51
